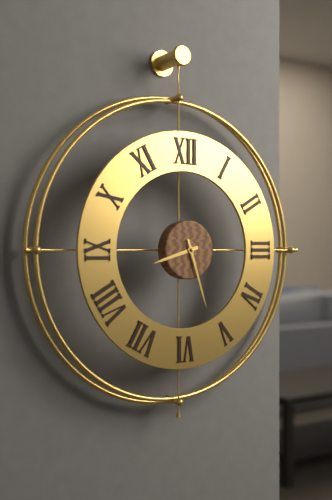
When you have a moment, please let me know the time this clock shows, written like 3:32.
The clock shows 8:27
